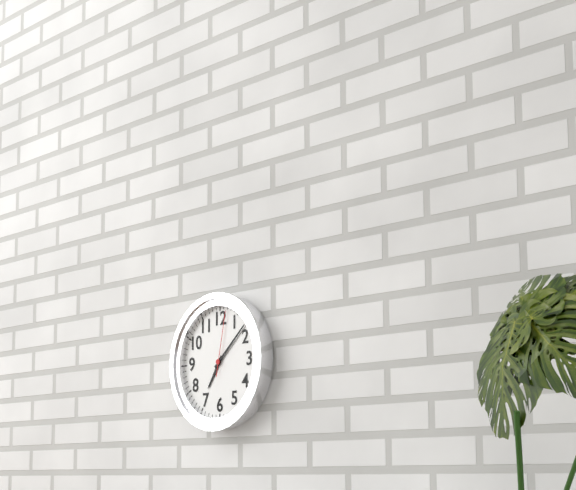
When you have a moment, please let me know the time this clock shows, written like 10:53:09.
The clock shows 7:08:02
